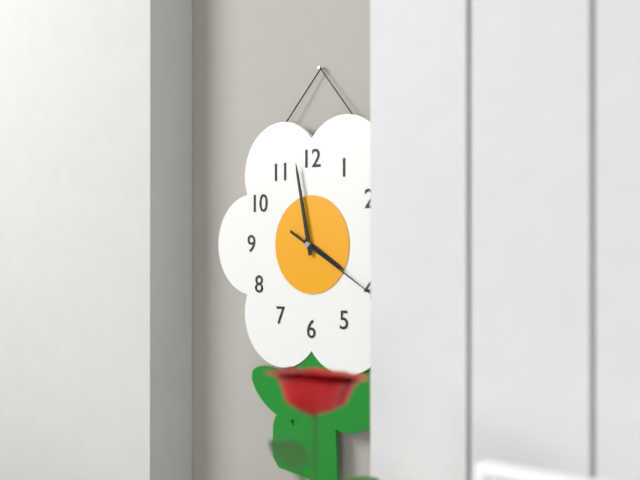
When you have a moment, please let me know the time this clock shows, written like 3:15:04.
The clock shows 3:58:20
